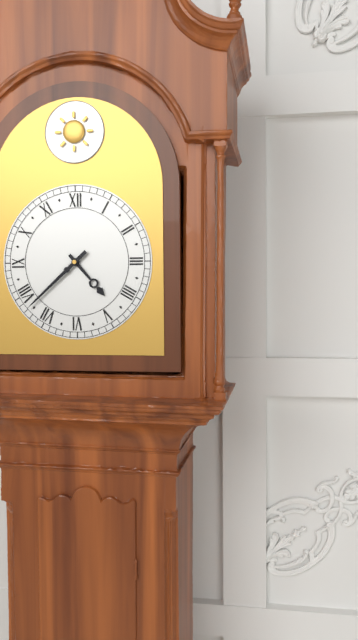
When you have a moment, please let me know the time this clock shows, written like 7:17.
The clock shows 4:38
